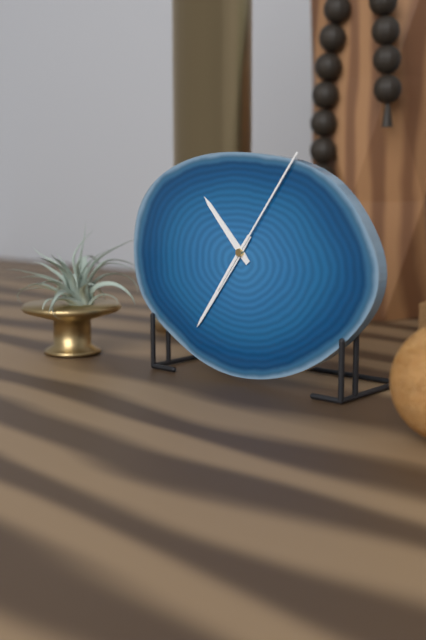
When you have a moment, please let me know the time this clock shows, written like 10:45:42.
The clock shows 10:36:06
